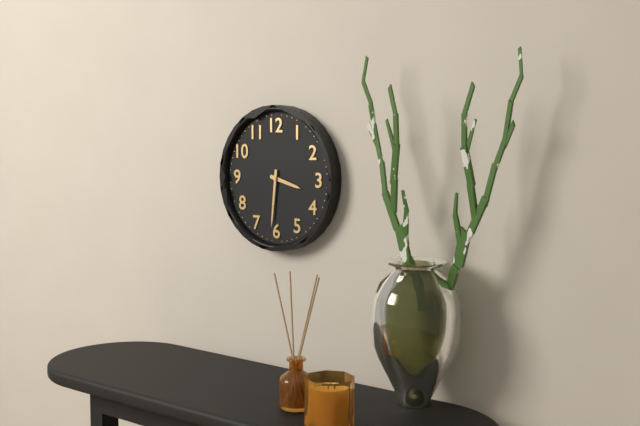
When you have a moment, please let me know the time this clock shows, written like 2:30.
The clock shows 3:31
